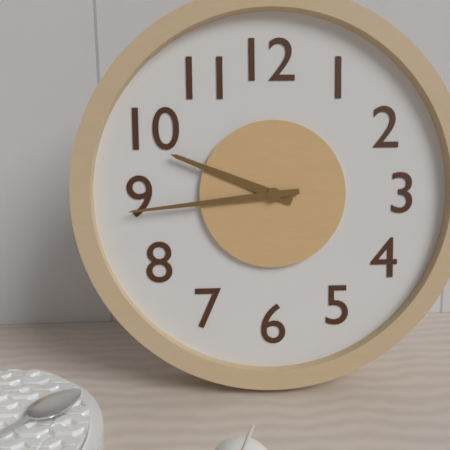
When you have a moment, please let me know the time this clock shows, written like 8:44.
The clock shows 9:44
